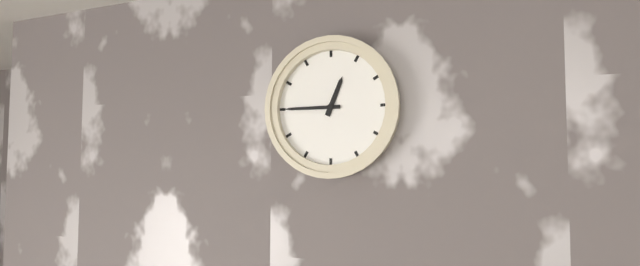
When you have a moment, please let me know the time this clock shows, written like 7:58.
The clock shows 12:45
